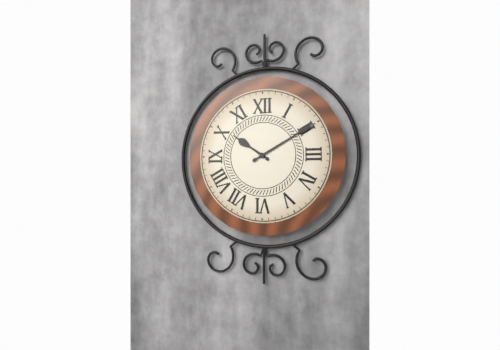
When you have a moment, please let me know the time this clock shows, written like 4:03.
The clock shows 10:10
